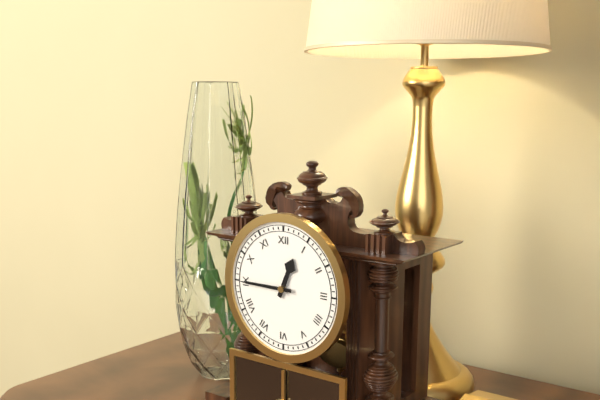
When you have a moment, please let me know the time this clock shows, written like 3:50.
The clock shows 12:45
